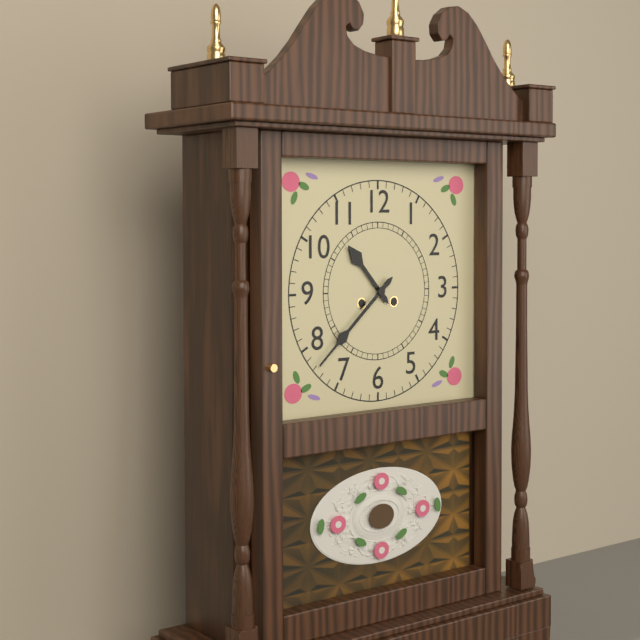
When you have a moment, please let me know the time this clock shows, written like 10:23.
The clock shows 10:38
